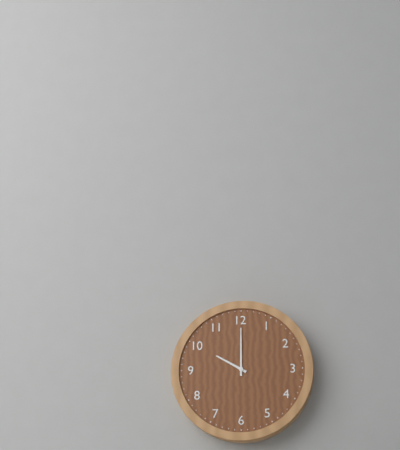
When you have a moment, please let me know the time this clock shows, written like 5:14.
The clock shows 10:00
